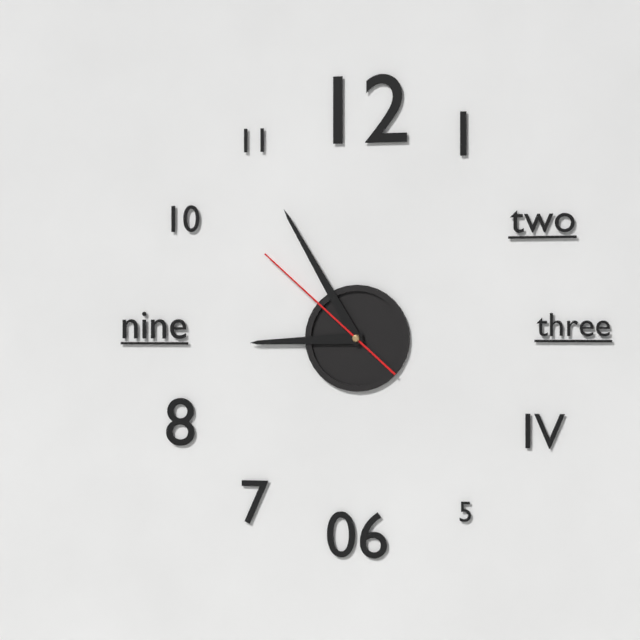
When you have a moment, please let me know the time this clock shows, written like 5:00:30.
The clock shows 8:55:52
